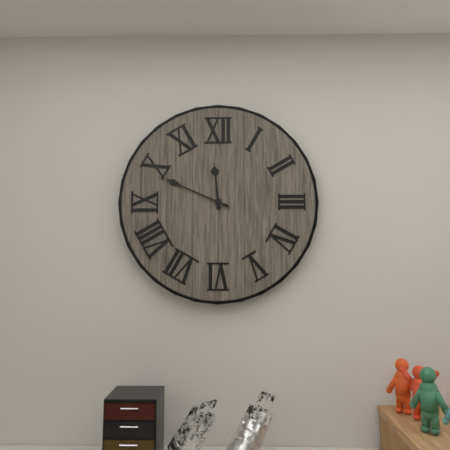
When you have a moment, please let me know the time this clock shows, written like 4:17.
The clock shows 11:49
